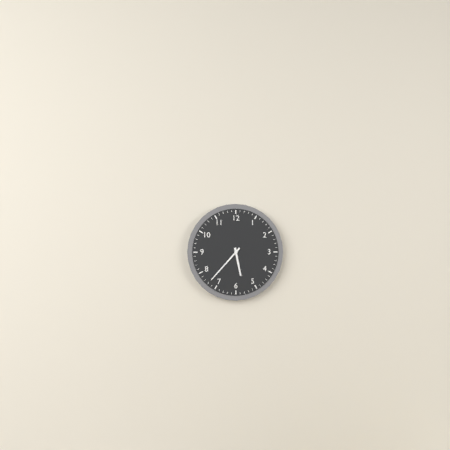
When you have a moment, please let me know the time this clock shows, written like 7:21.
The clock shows 5:37
